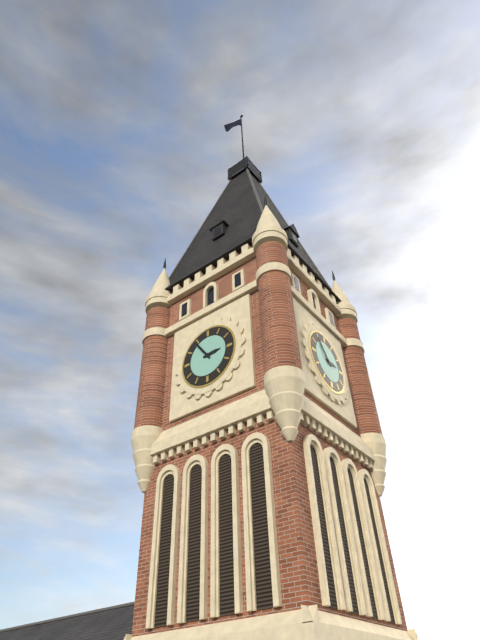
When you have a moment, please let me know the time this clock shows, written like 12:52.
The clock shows 2:54
